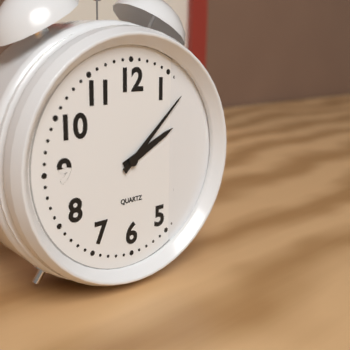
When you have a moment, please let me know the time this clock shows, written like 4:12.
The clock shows 2:08
